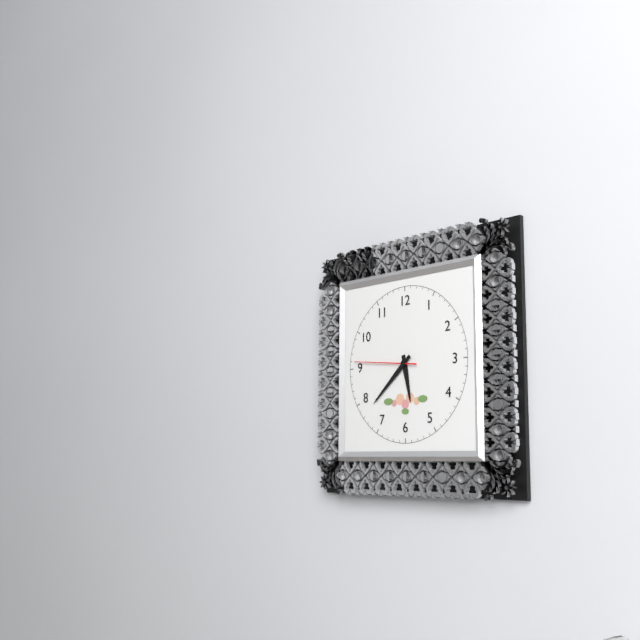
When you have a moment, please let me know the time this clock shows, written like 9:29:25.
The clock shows 5:38:46
